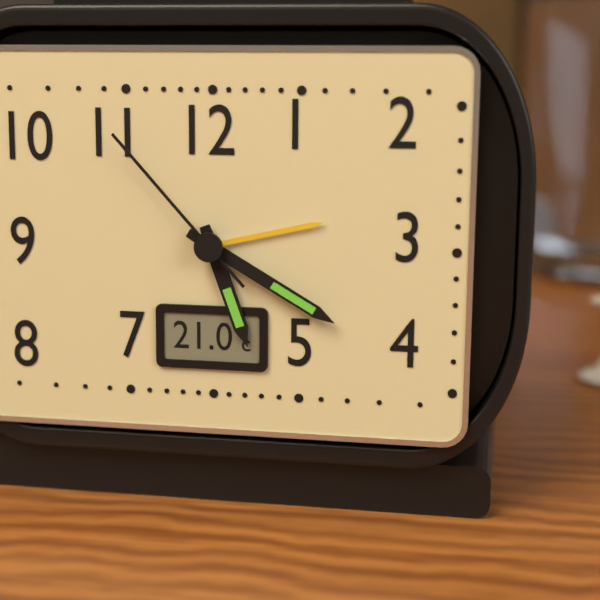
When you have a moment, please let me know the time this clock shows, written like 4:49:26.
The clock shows 5:20:53
